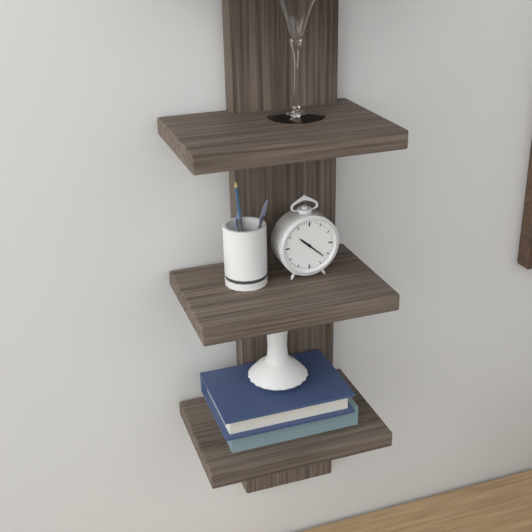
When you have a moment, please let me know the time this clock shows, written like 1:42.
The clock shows 10:22
